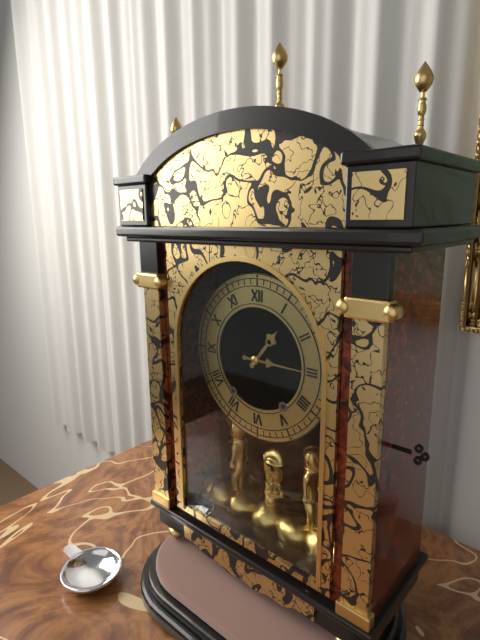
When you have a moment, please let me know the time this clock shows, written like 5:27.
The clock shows 1:15
